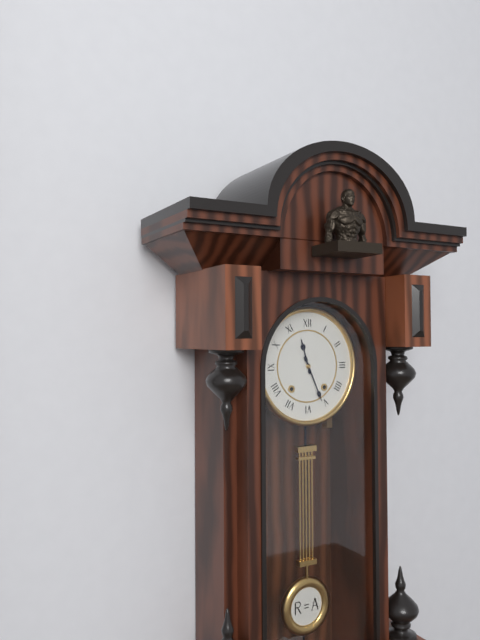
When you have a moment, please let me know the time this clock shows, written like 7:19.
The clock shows 11:26
